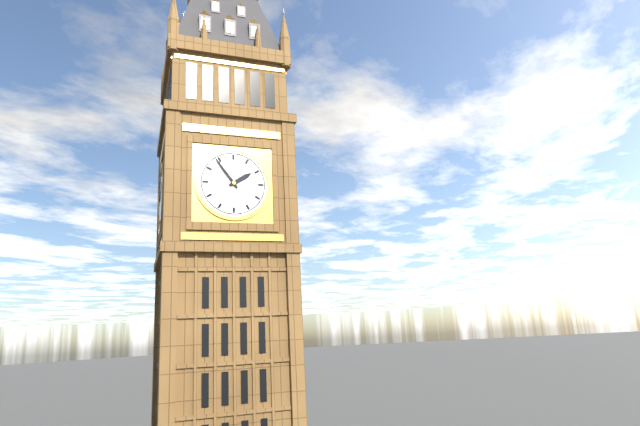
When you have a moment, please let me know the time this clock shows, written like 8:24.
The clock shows 1:54
